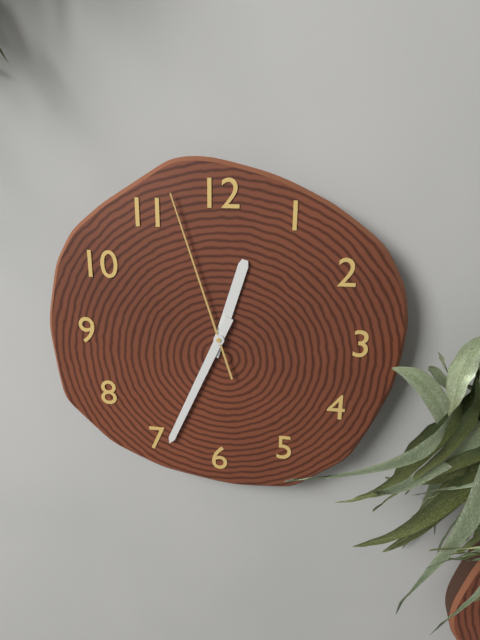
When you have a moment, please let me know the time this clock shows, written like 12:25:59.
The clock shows 12:34:57
